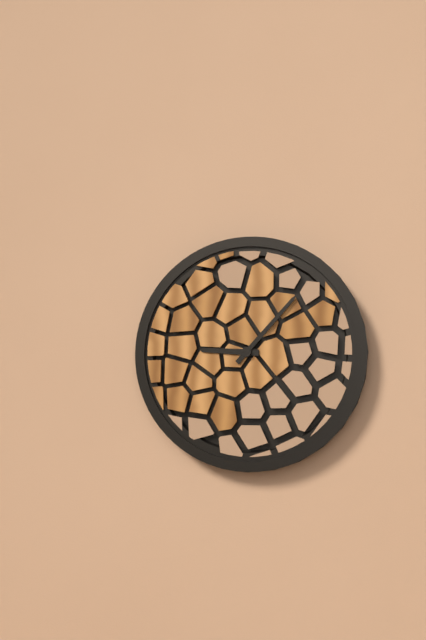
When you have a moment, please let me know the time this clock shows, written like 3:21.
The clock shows 9:07
